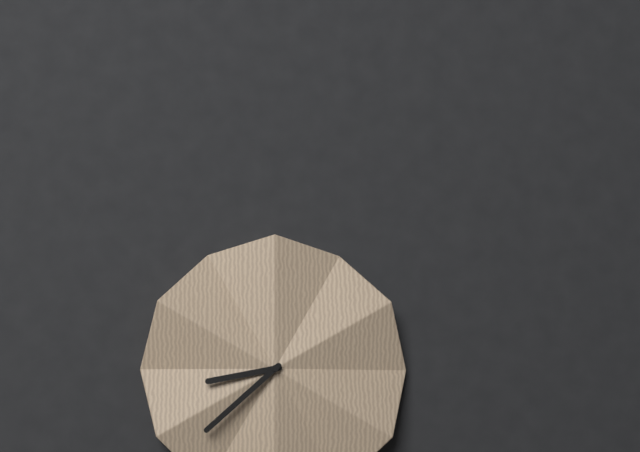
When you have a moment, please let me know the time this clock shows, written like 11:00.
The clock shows 8:38
